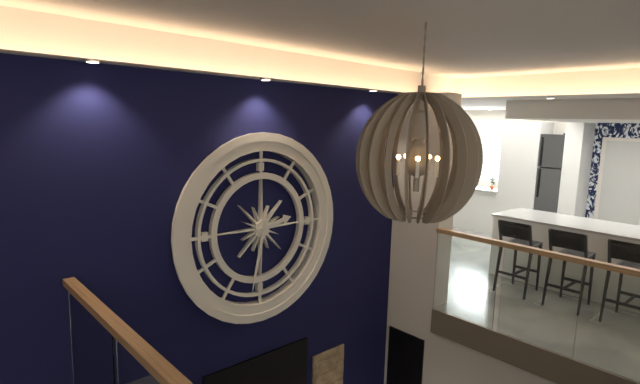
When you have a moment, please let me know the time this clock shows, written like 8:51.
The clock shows 2:32
